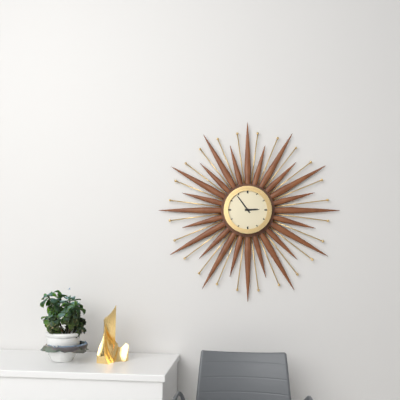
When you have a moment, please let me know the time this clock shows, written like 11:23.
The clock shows 2:54
